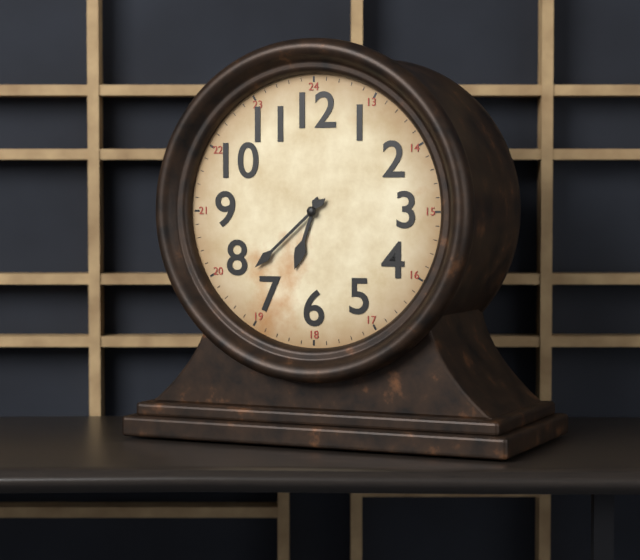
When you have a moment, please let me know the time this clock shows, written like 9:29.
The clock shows 6:38
